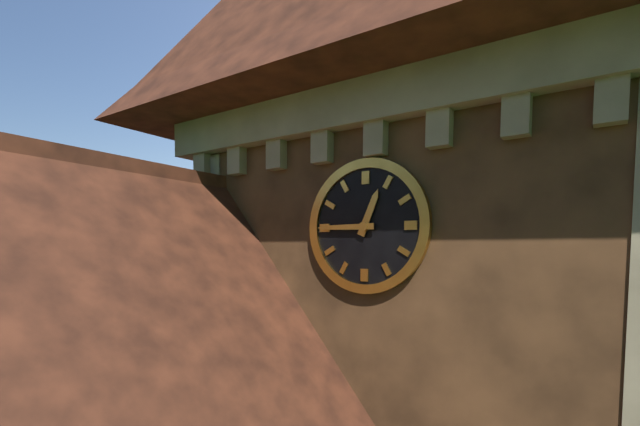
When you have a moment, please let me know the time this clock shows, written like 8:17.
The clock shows 12:45
